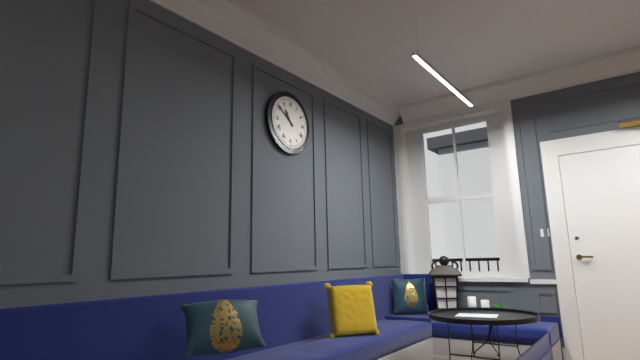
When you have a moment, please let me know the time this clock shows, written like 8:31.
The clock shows 10:51
